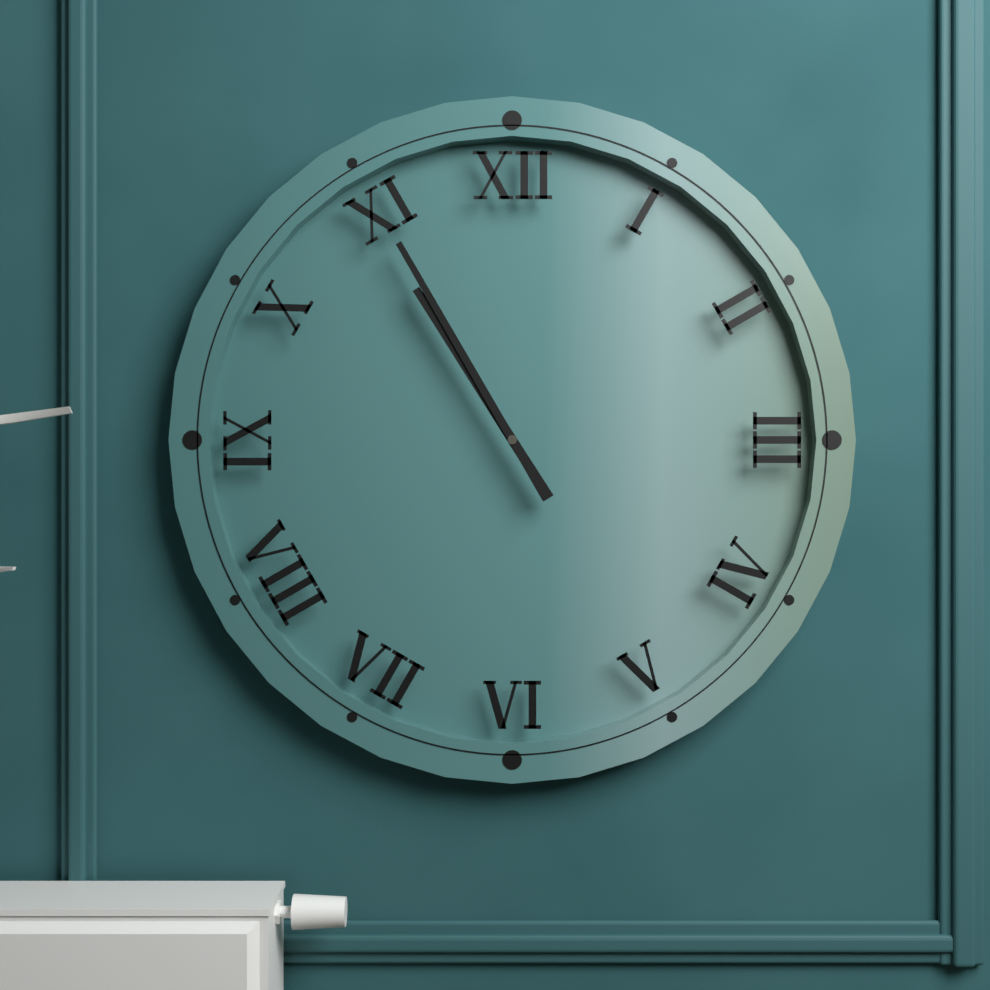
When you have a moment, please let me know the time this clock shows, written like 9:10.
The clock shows 10:55
